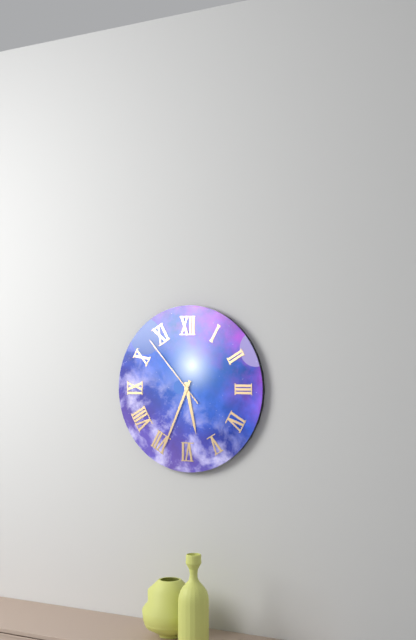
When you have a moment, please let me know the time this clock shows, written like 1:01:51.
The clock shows 5:34:53
